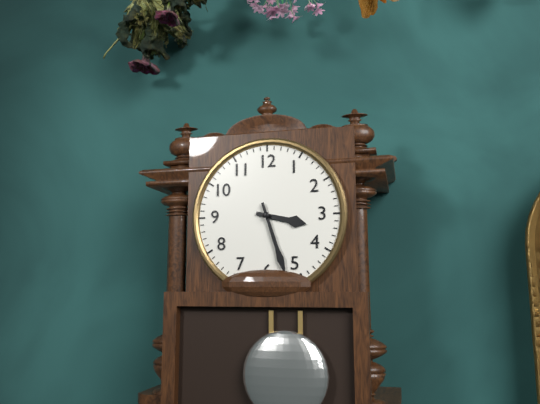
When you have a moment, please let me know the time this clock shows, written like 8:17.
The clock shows 3:27
